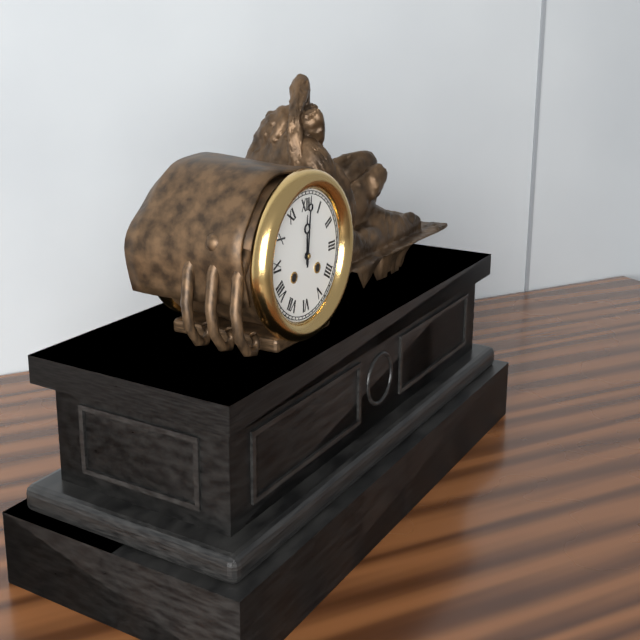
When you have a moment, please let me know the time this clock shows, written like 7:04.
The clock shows 12:01
